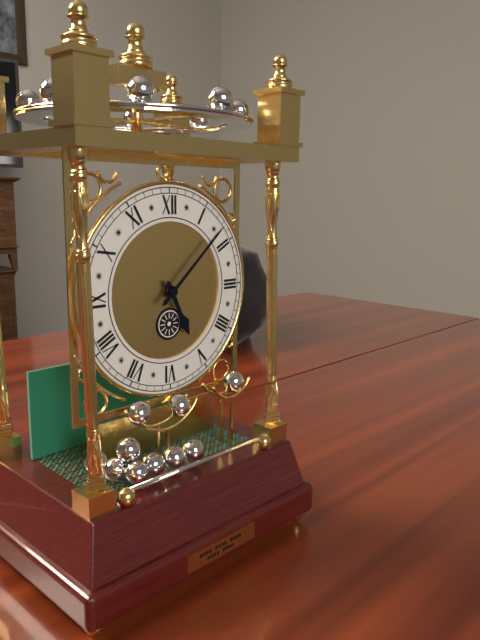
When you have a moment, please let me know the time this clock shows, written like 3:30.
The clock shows 5:08
